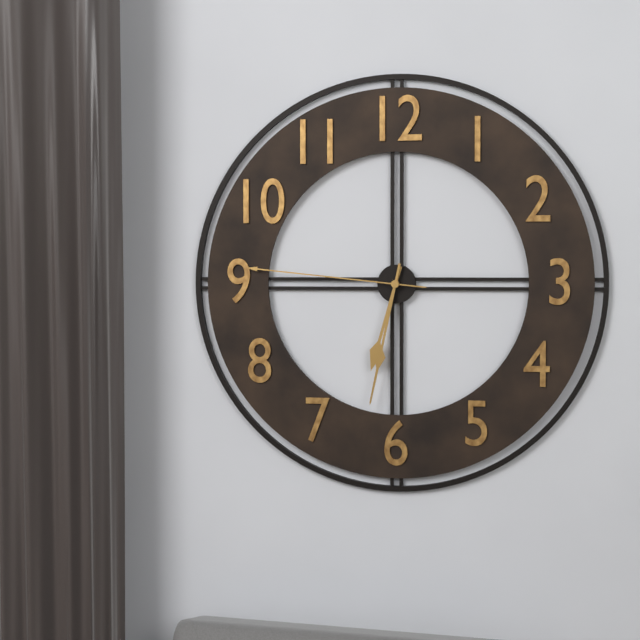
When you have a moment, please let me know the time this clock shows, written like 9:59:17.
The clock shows 6:32:46
